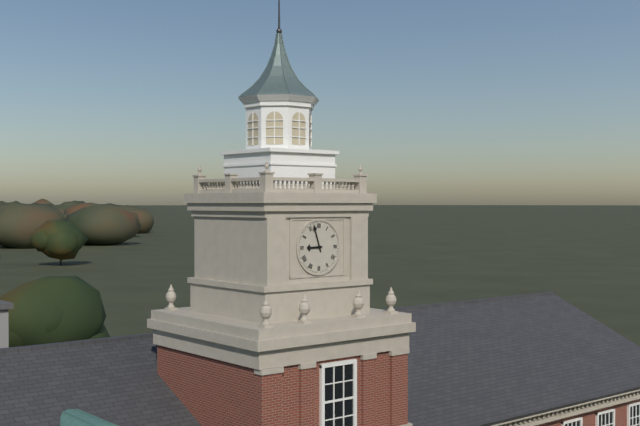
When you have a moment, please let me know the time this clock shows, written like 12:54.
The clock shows 8:57
